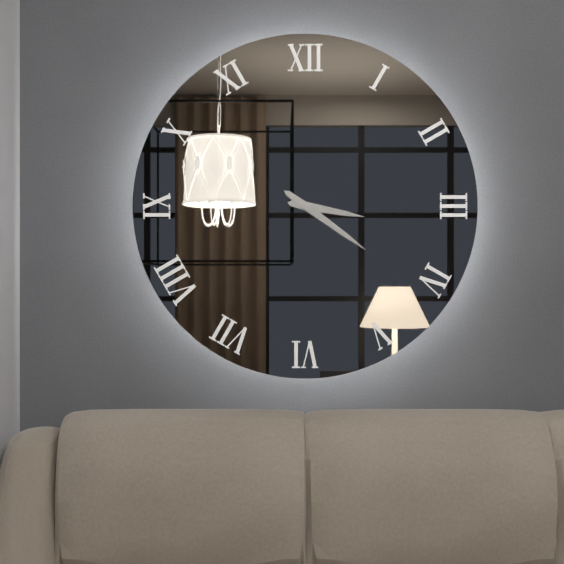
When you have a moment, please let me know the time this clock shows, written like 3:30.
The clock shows 3:21
